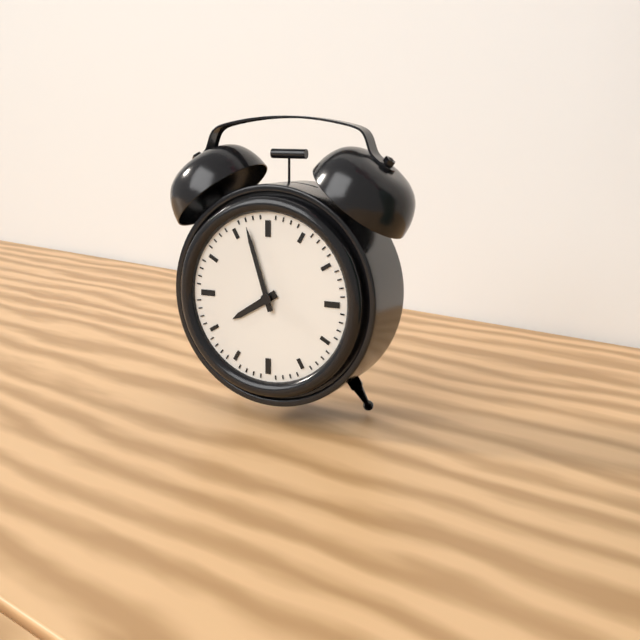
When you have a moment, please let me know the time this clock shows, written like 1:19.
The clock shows 7:57
